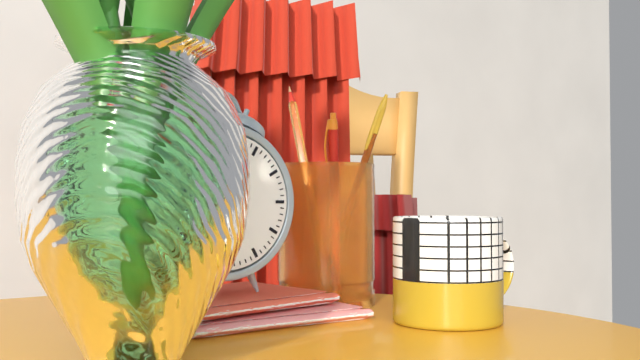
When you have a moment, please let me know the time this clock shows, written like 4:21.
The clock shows 8:54
